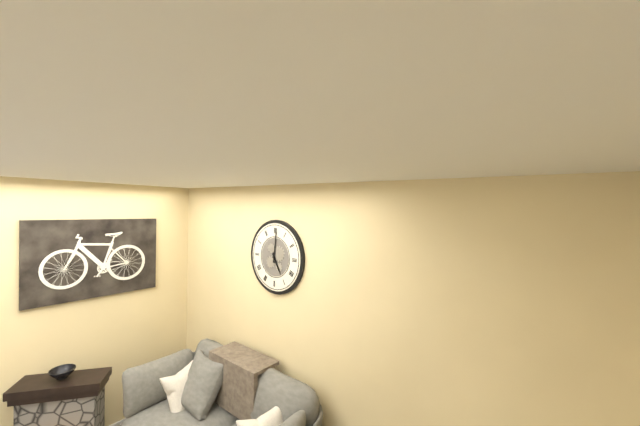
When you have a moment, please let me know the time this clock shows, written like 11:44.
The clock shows 5:01
